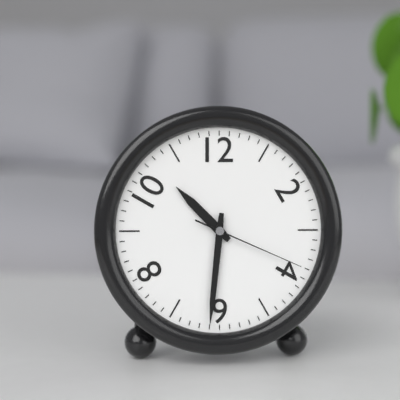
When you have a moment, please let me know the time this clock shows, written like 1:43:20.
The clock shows 10:31:19
